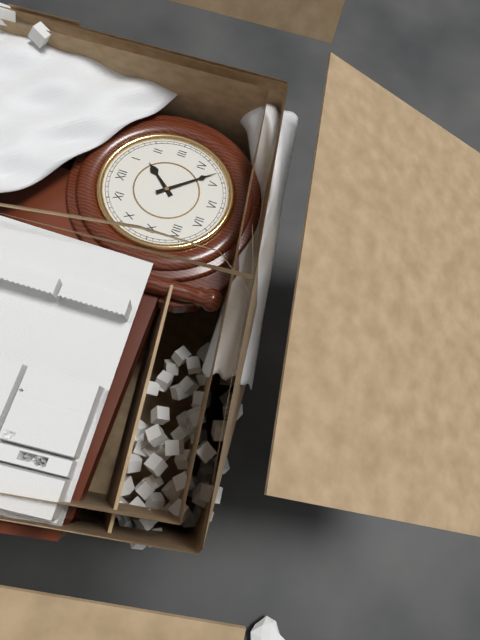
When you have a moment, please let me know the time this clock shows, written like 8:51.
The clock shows 1:23
